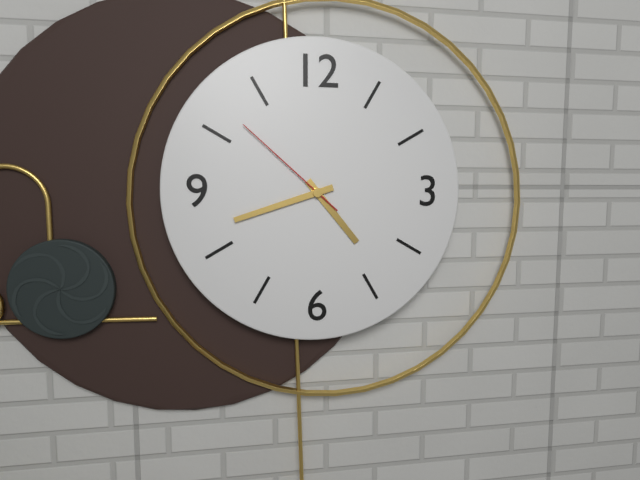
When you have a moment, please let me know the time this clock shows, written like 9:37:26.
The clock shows 4:42:52
